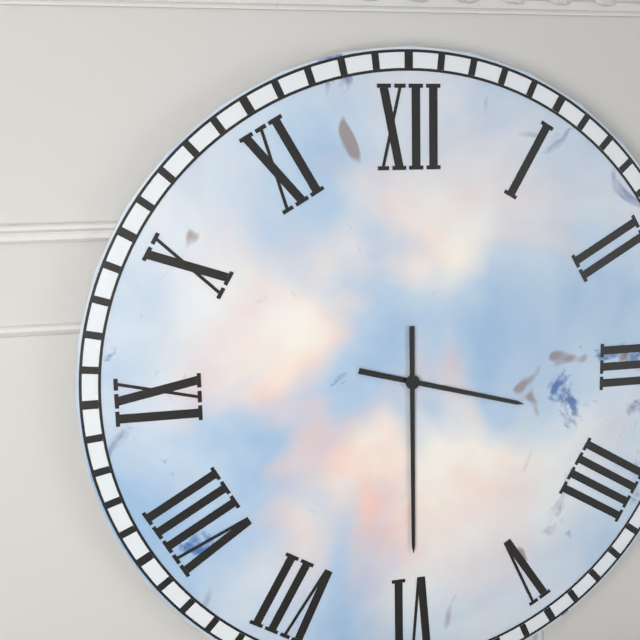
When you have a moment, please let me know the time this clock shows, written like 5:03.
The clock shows 3:30
